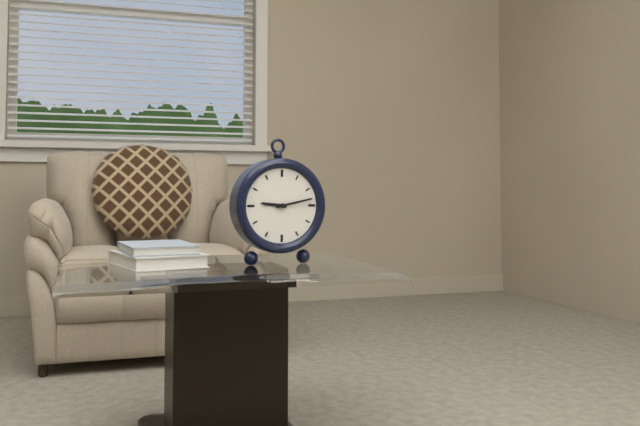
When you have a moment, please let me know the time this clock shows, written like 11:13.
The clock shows 9:13
